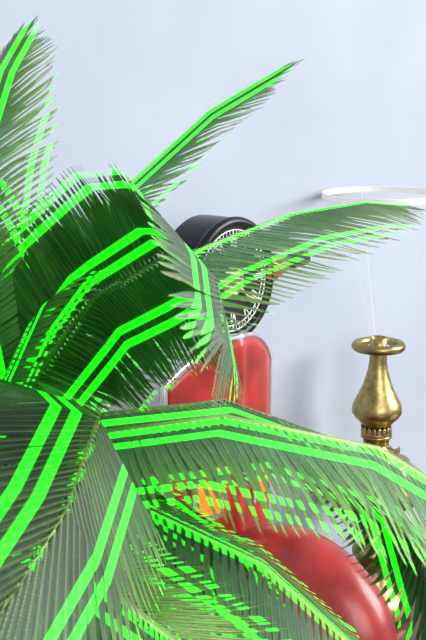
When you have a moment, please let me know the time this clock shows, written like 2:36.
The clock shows 9:22
